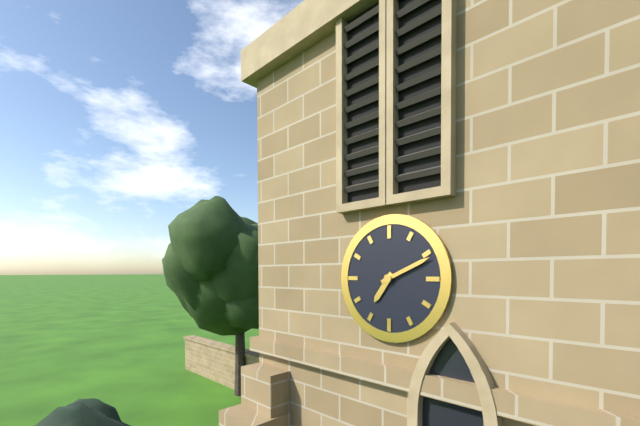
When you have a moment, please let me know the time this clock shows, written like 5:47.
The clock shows 7:11
